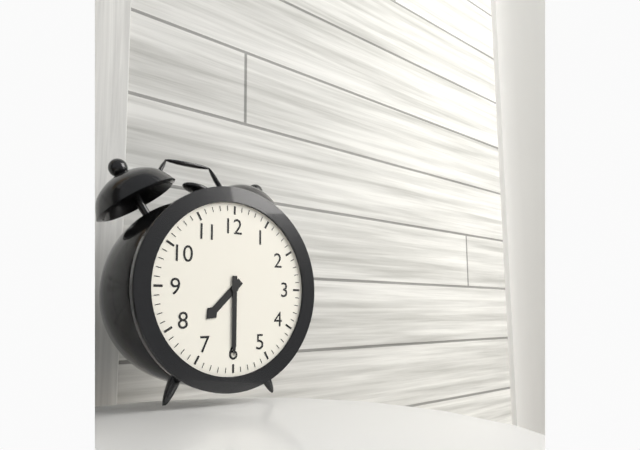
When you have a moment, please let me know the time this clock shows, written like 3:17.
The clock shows 7:30
